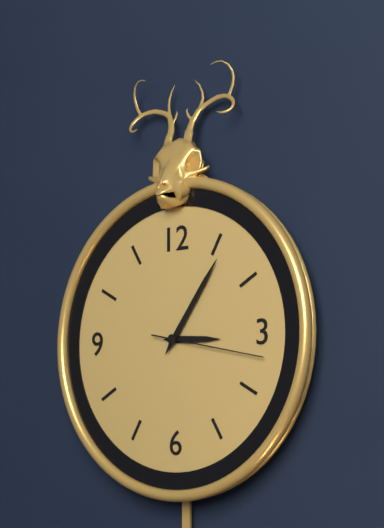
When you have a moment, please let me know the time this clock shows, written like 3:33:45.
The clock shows 3:06:17
